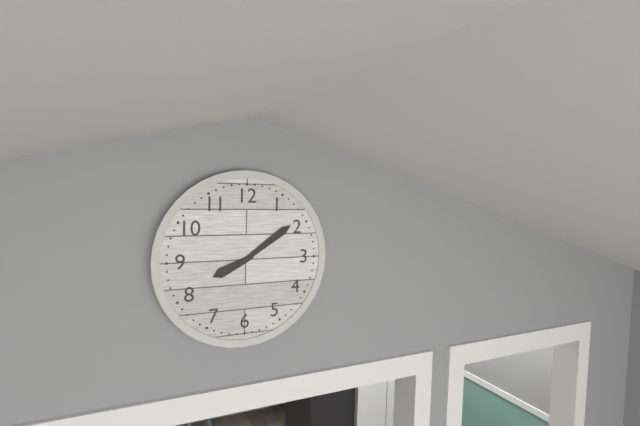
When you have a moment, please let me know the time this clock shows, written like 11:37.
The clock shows 8:09
